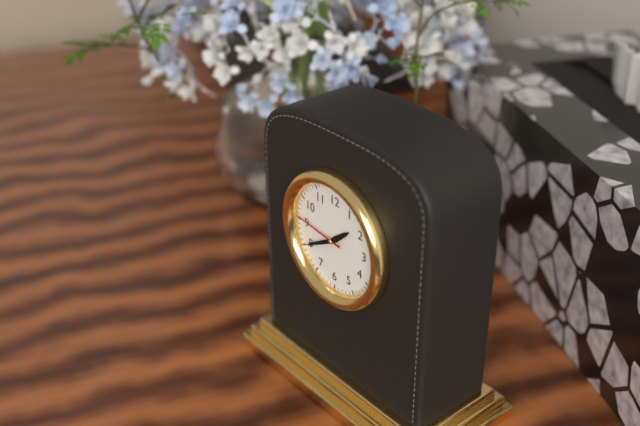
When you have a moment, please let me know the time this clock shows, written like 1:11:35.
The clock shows 1:40:46
